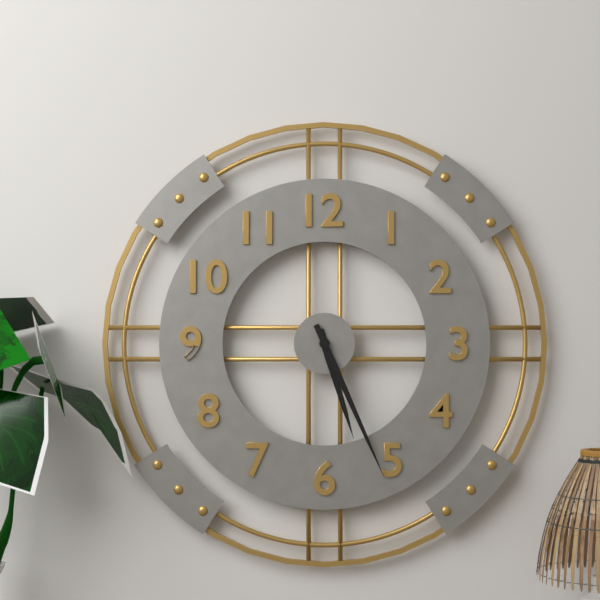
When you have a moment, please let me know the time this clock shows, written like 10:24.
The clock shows 5:26
